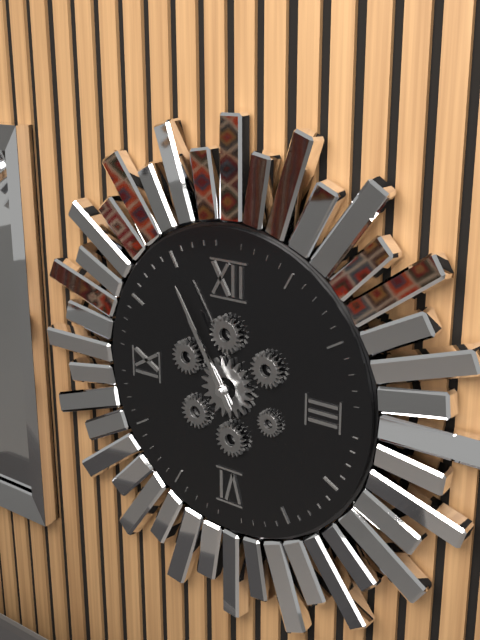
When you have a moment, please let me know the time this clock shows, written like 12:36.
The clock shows 10:55
